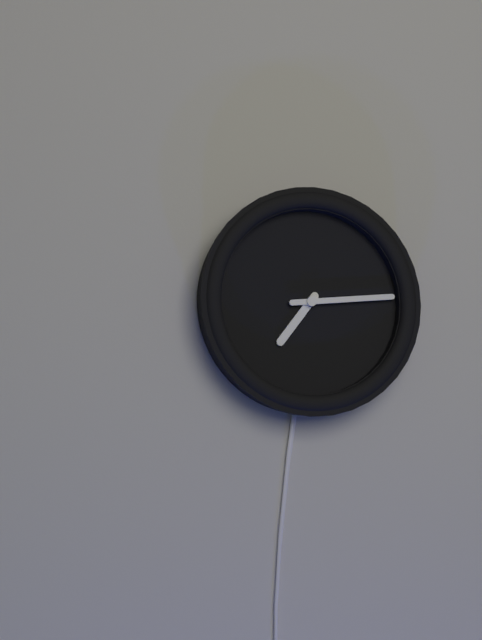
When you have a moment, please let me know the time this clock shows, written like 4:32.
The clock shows 7:14
